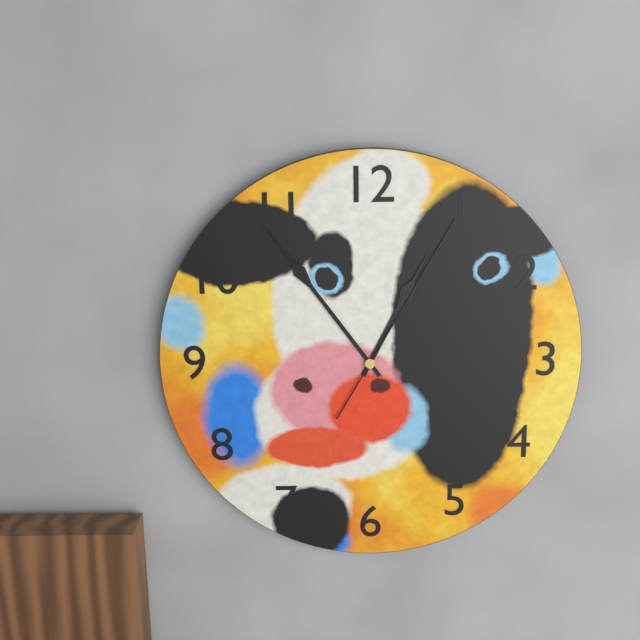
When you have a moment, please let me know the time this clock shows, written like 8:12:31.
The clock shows 12:54:05
